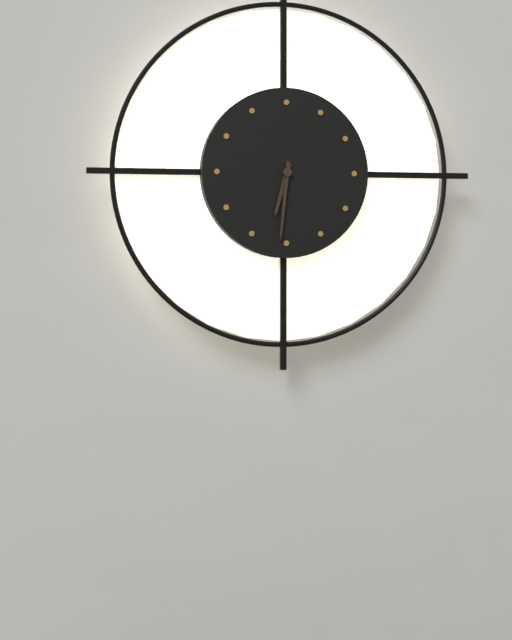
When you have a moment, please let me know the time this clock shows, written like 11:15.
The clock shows 6:31
